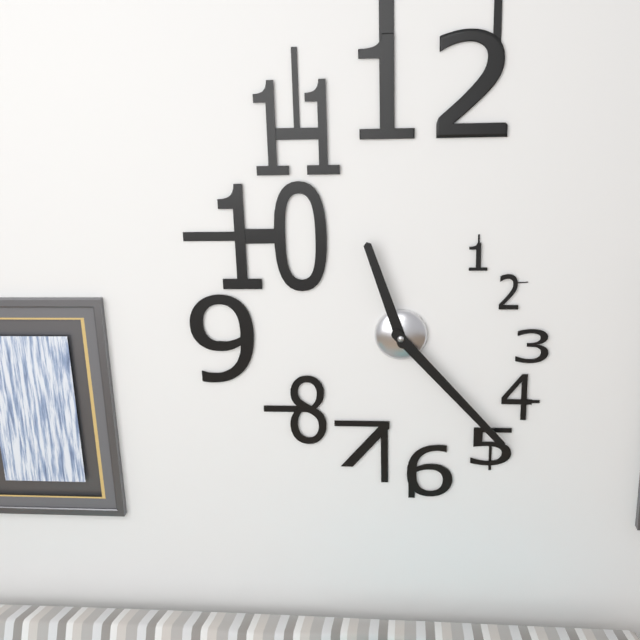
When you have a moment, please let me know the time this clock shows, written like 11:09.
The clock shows 11:23
